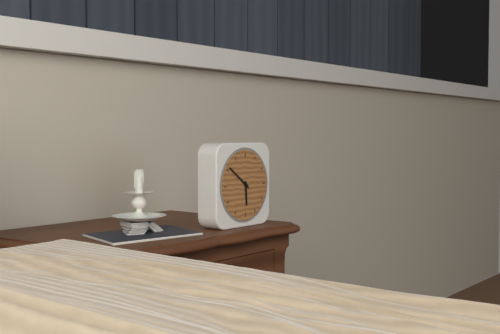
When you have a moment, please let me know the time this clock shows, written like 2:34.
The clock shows 5:51
